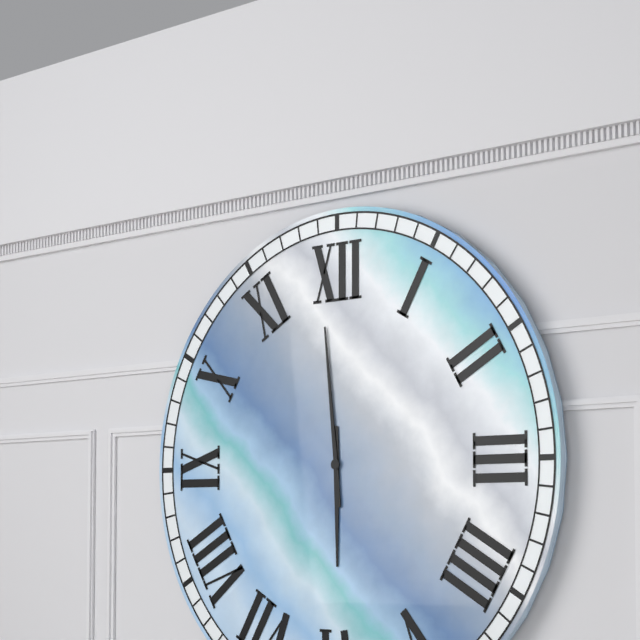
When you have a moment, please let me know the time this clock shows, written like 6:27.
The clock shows 5:59
